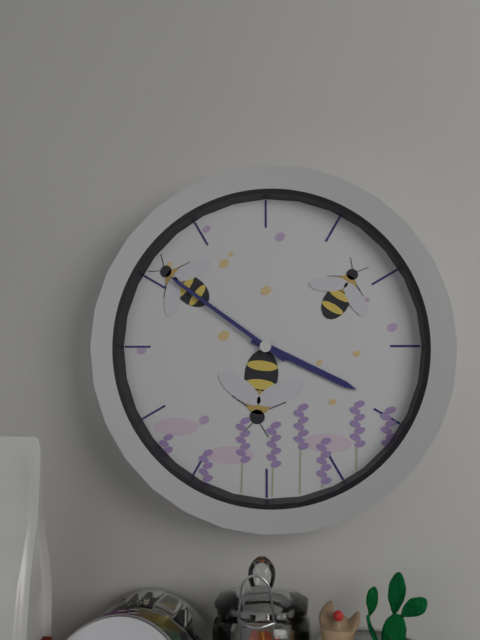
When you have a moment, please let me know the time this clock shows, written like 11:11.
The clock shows 3:51
